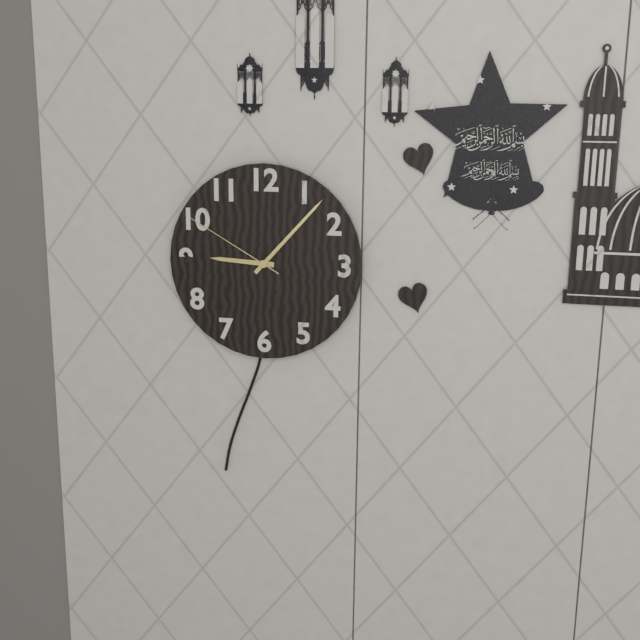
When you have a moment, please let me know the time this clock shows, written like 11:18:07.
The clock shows 9:07:50
